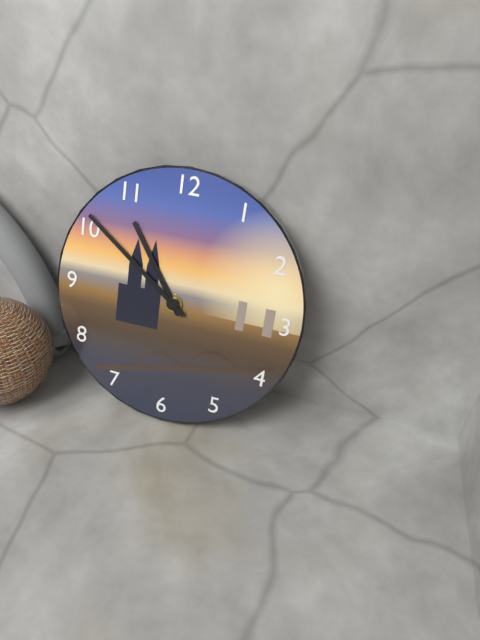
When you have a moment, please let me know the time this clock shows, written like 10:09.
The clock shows 10:51
